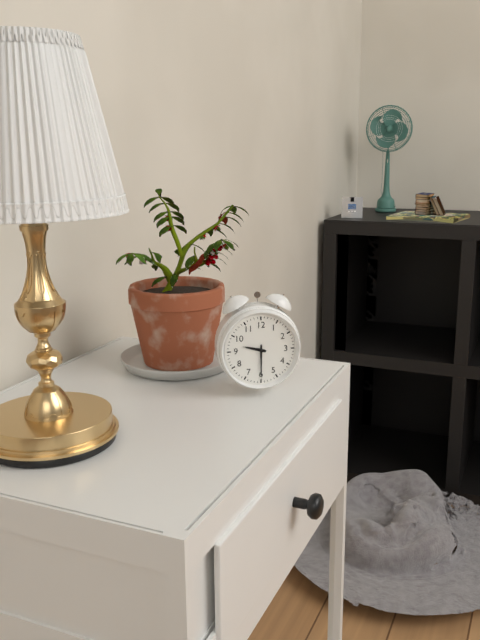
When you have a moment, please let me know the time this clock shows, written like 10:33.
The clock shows 9:30
